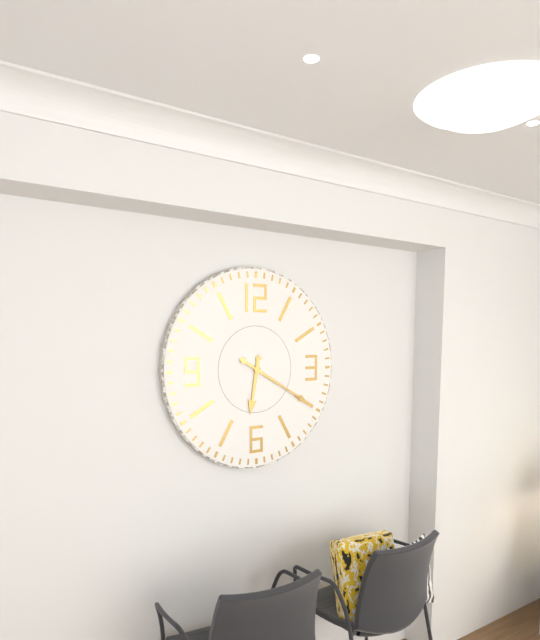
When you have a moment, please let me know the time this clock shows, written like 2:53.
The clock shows 6:20
